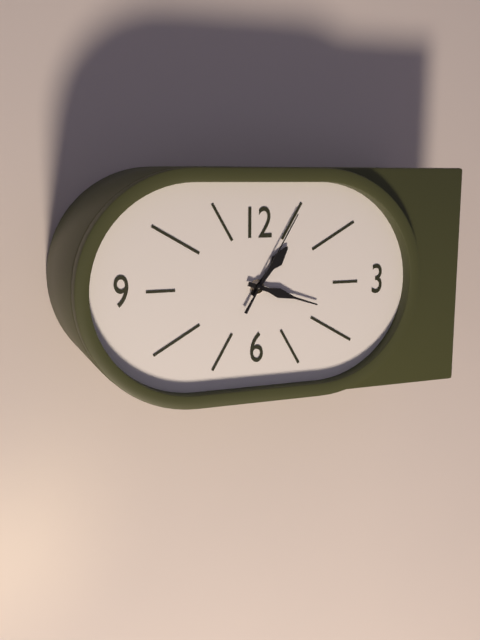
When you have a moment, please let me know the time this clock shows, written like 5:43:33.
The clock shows 1:18:05
